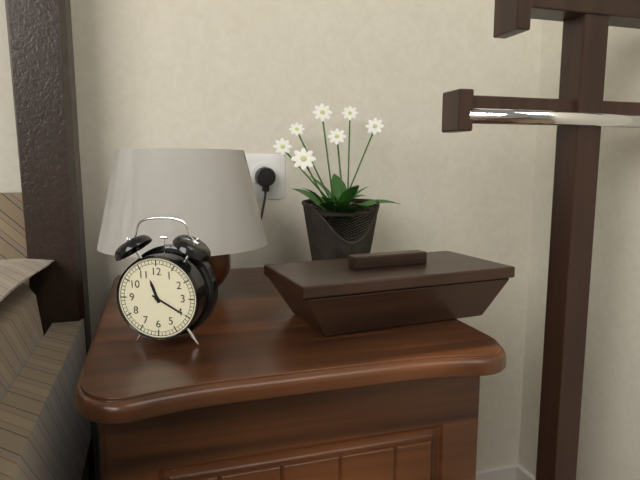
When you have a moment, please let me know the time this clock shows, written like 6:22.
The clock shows 11:20
